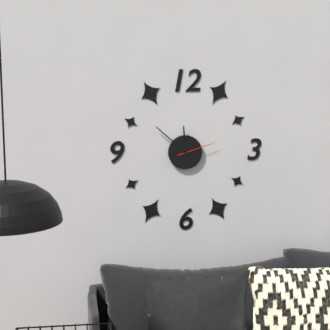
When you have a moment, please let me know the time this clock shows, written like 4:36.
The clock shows 11:52
